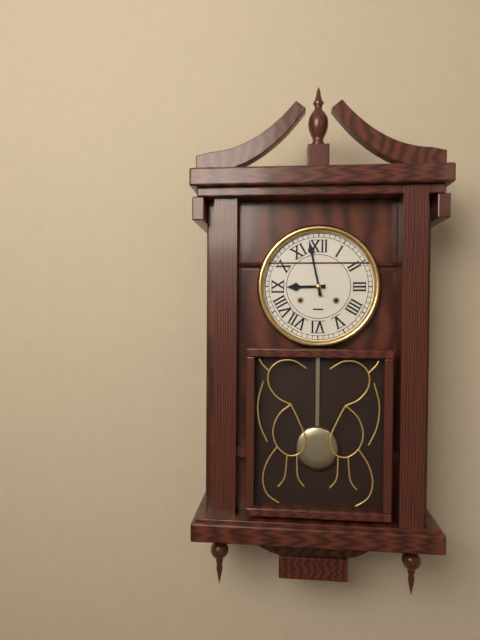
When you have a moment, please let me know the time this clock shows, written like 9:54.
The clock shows 8:58
